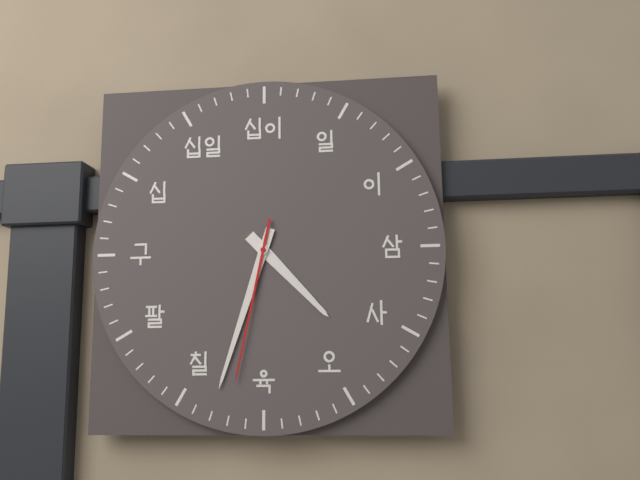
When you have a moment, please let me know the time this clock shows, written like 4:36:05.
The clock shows 4:33:32
